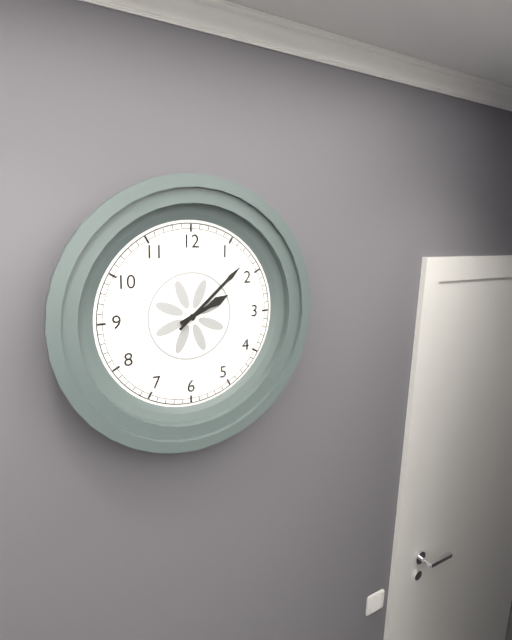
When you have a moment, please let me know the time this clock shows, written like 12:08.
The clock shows 2:08
